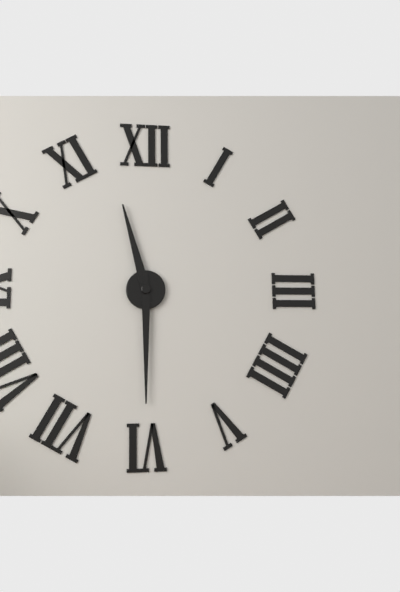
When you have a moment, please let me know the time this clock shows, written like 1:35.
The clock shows 11:30
